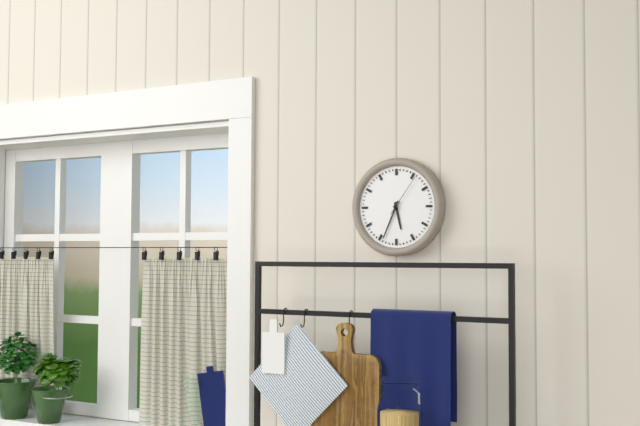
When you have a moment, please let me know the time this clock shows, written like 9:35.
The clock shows 5:34
